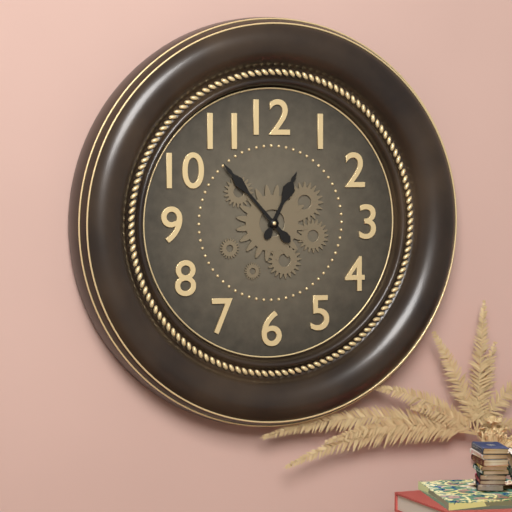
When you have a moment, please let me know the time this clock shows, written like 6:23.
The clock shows 12:53
